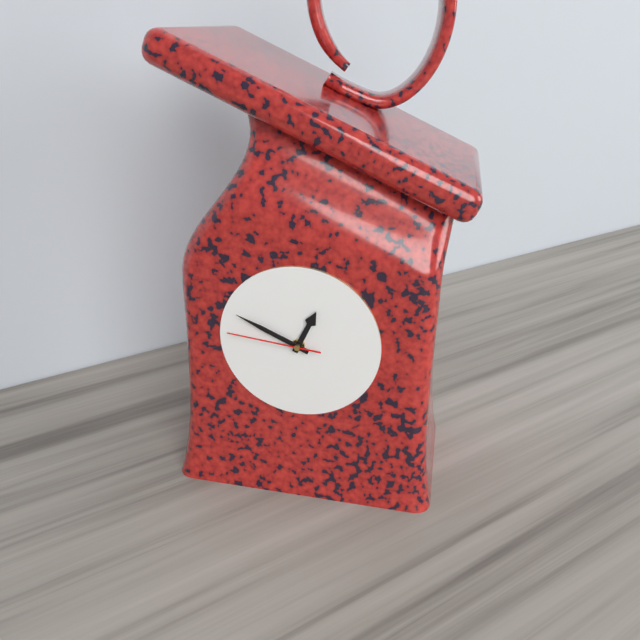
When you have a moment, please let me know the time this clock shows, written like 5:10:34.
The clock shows 12:49:46
